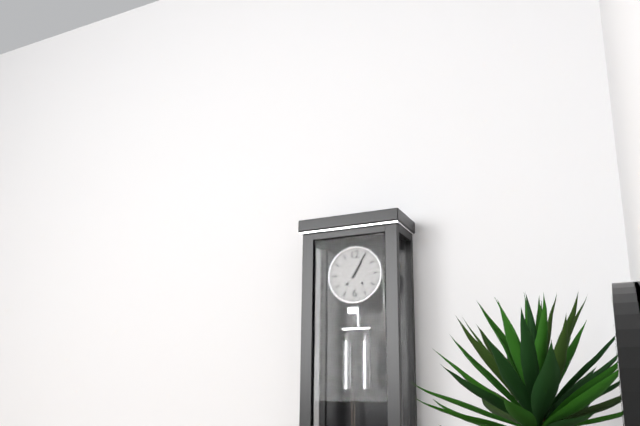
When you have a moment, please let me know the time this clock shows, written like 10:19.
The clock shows 1:05
